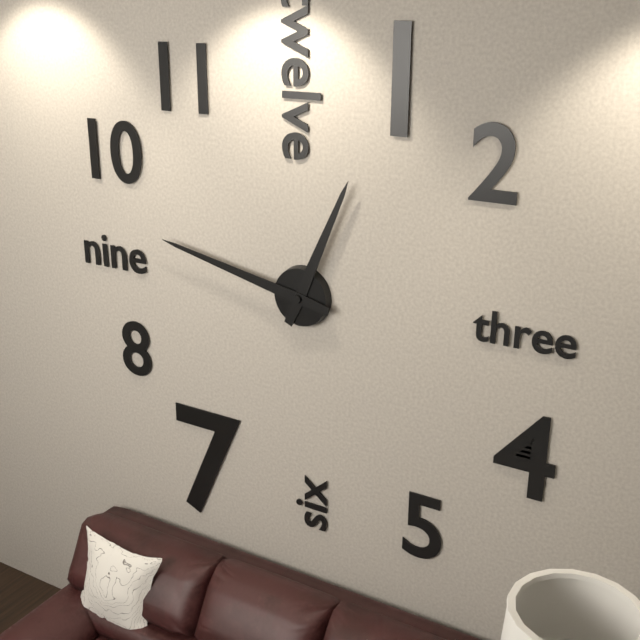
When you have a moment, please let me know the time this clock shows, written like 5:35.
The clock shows 12:47
